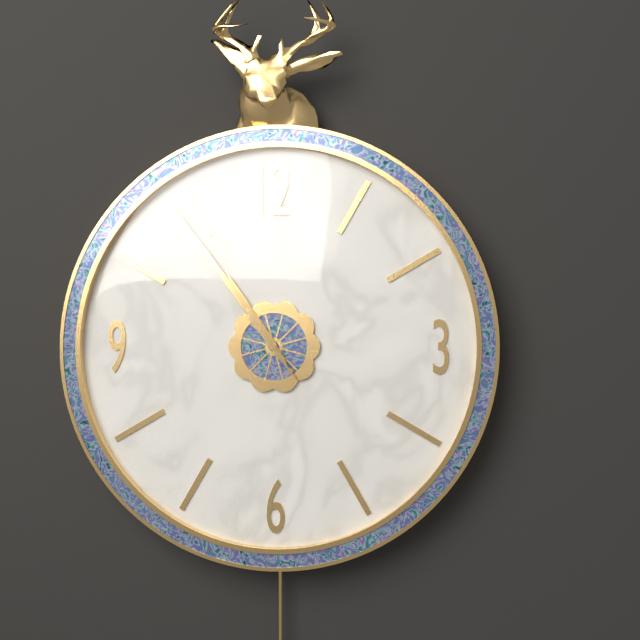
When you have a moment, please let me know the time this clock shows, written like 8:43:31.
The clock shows 10:54:54
